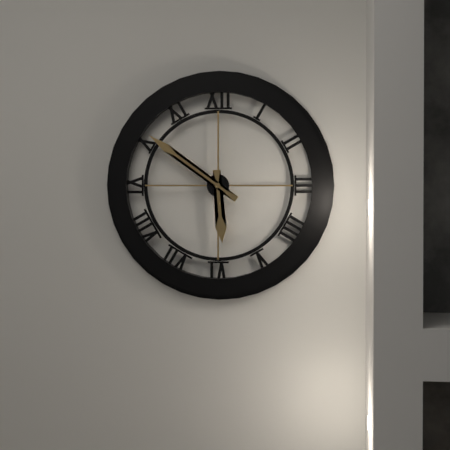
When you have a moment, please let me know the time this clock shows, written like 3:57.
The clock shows 5:51
